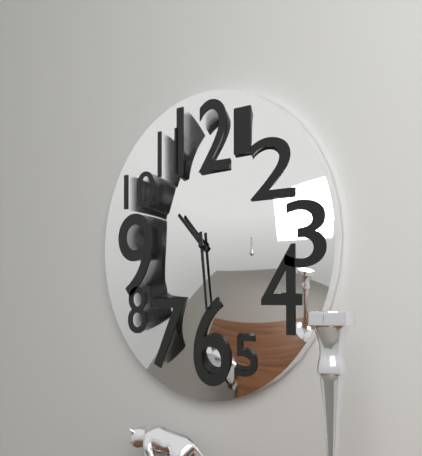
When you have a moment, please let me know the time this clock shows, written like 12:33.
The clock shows 10:29
